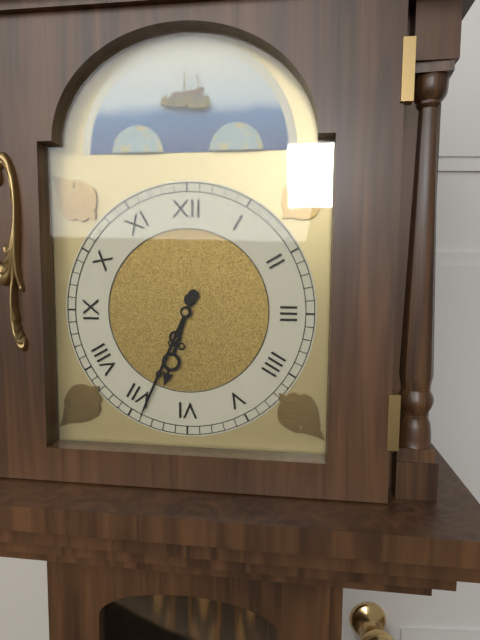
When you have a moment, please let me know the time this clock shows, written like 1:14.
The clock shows 6:34
